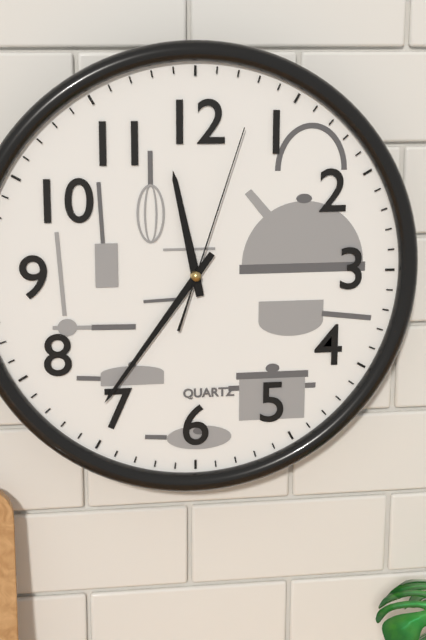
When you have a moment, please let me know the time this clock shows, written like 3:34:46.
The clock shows 11:36:03
